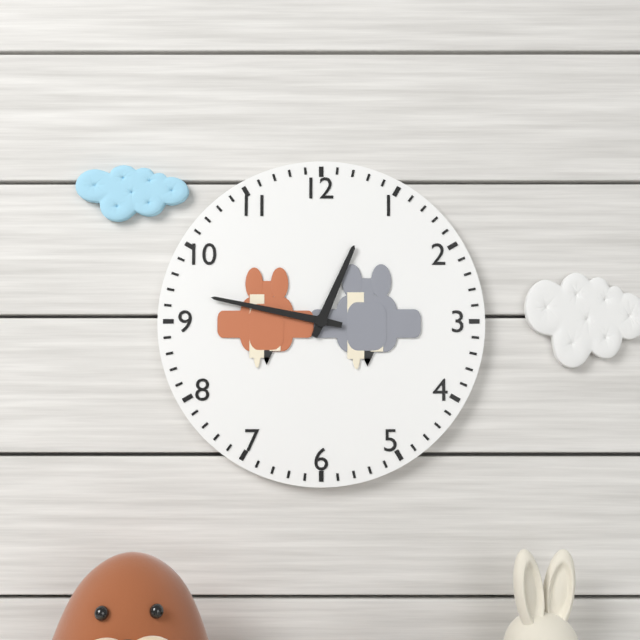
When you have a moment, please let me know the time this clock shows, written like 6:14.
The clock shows 12:47
